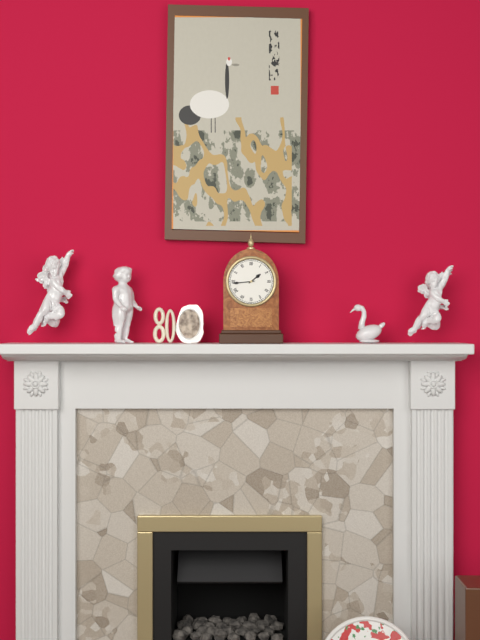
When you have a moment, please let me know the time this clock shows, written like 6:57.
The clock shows 1:44
